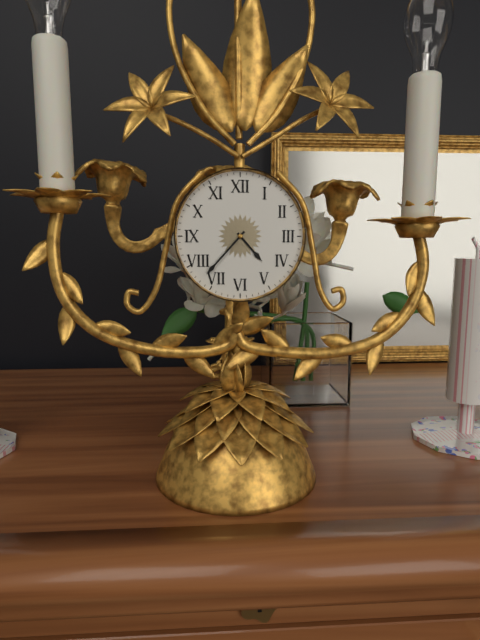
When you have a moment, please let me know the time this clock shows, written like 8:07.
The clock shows 4:37
